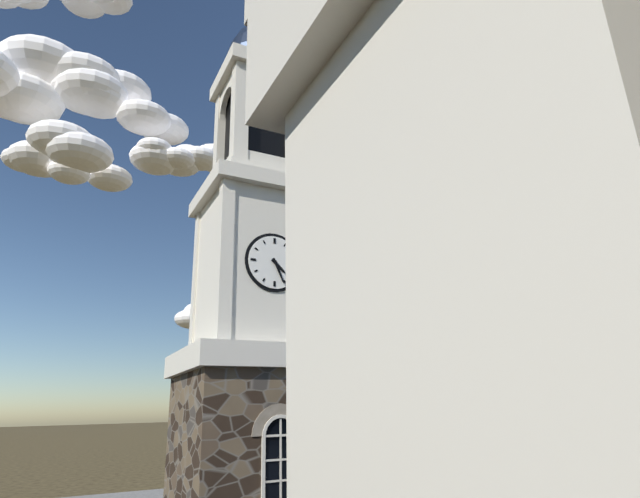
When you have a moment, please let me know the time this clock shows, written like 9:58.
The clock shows 4:26
